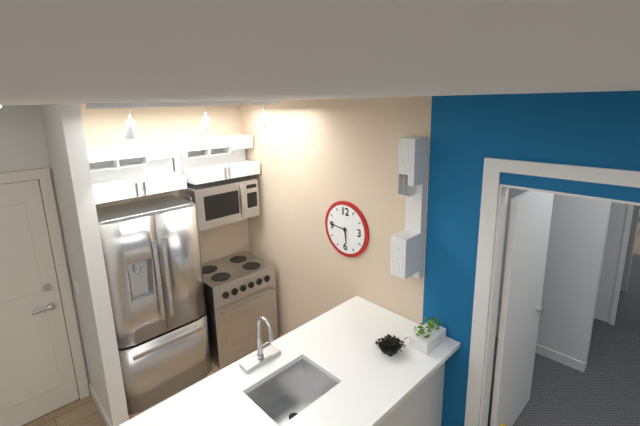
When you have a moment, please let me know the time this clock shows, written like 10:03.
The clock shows 5:46
